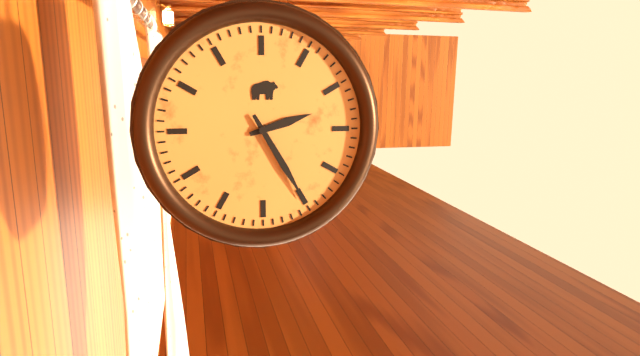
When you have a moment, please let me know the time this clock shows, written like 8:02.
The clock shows 2:25
